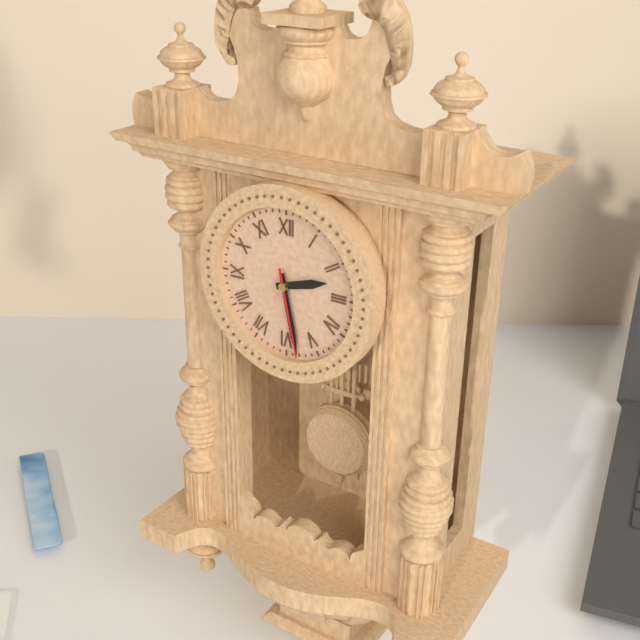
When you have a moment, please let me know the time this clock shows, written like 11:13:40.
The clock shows 2:28:28
